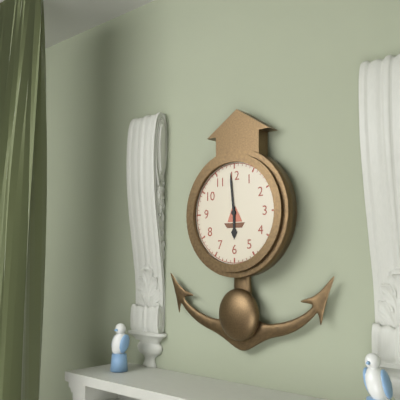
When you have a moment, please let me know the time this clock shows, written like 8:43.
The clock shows 5:59
